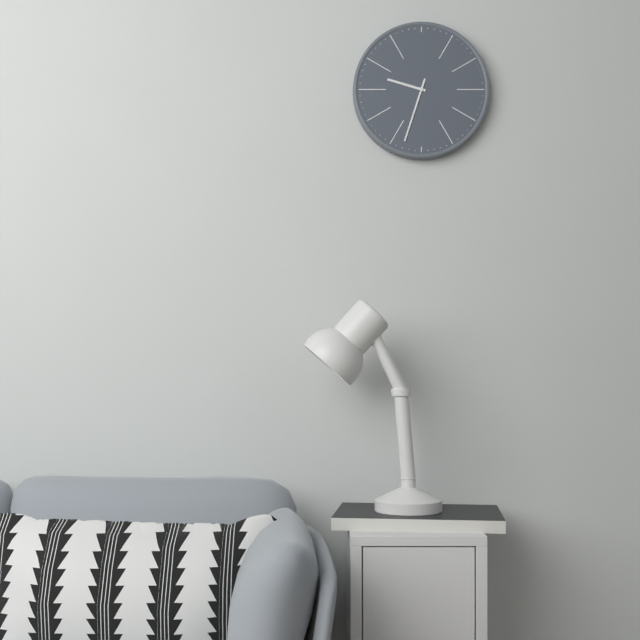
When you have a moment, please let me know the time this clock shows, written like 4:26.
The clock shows 9:33
